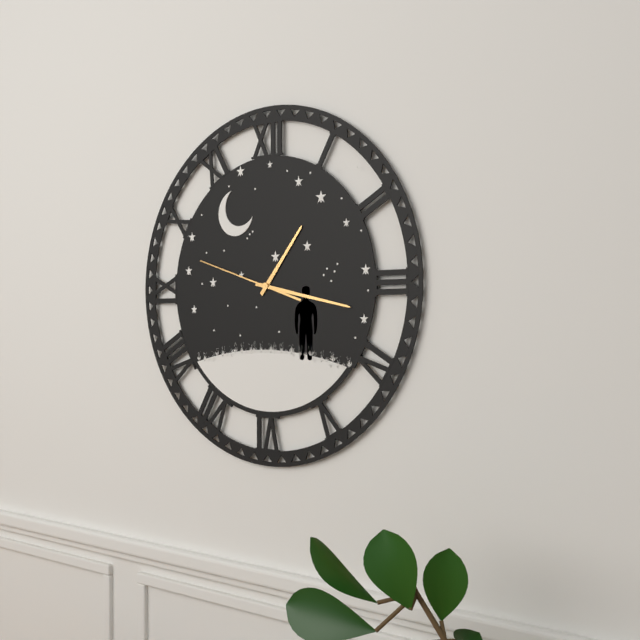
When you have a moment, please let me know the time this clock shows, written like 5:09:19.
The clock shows 1:17:48
